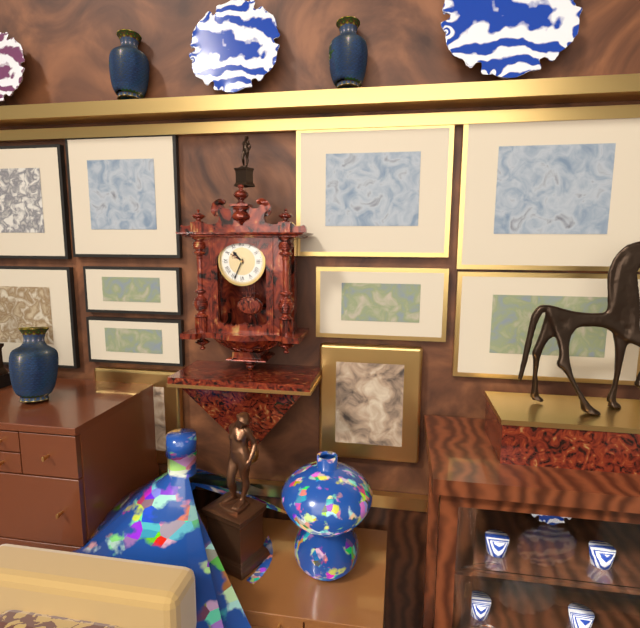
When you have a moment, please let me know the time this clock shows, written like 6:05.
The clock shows 10:34
